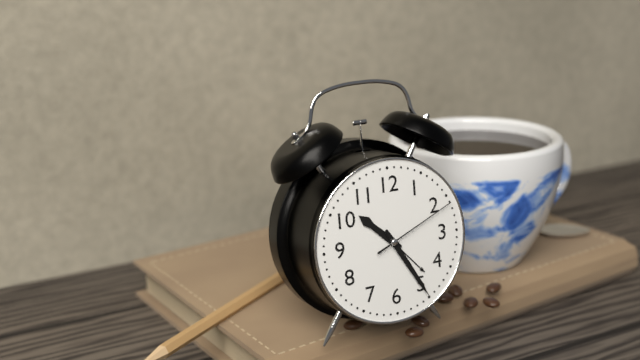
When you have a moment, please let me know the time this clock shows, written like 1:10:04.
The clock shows 10:25:11
